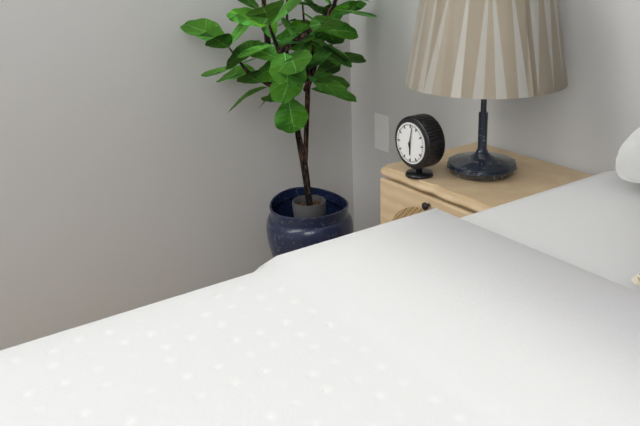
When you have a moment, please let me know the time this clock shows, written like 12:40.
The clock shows 6:02
